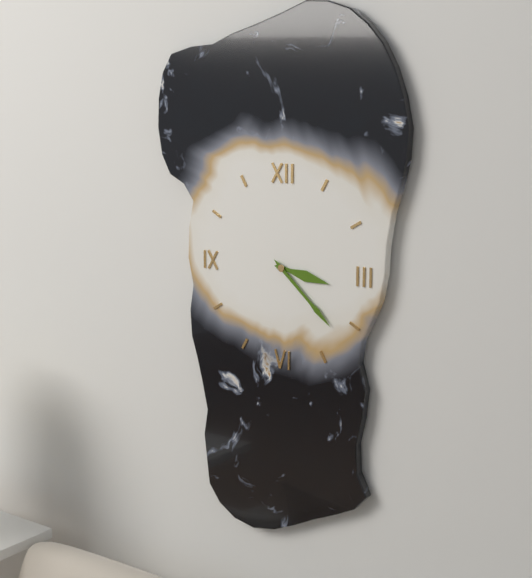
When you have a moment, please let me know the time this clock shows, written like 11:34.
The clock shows 3:22
